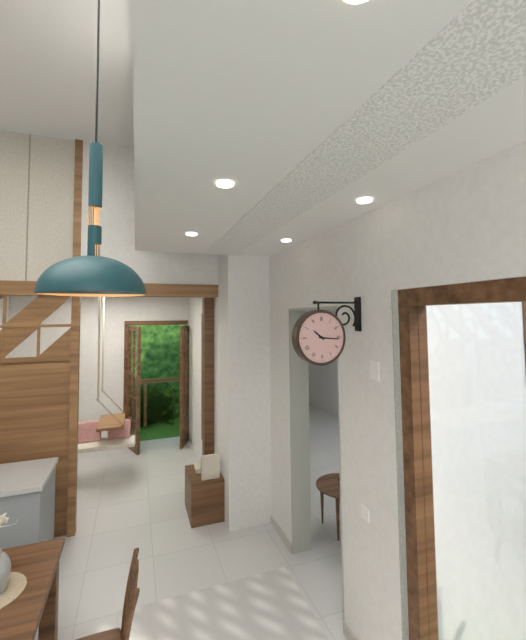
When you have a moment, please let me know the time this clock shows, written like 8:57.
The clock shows 10:16
